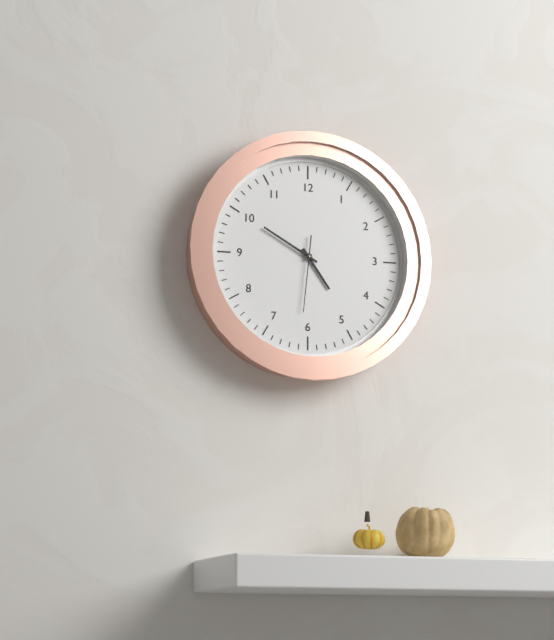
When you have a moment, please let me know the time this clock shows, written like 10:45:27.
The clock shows 4:50:31
